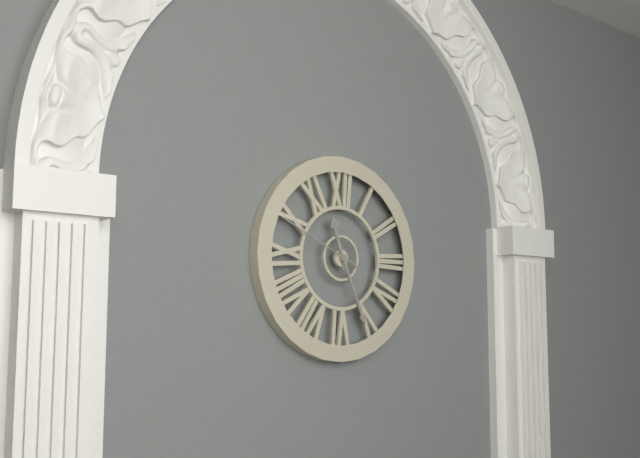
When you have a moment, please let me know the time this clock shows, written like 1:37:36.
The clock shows 11:26:49
